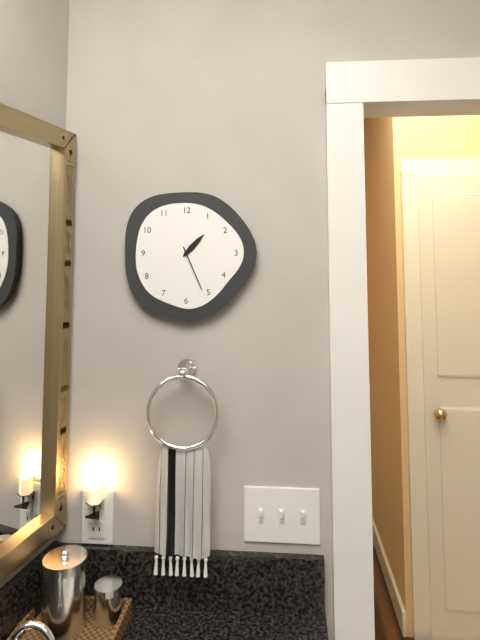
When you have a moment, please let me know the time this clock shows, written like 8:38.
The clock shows 1:26
